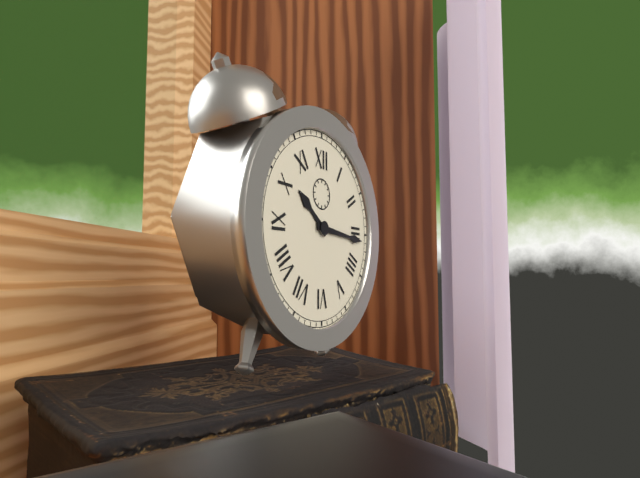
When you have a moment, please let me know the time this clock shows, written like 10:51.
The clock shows 10:16
